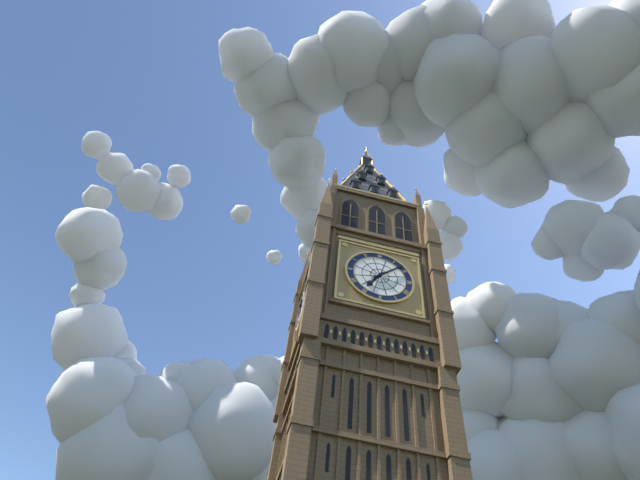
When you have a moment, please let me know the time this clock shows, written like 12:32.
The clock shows 7:08
